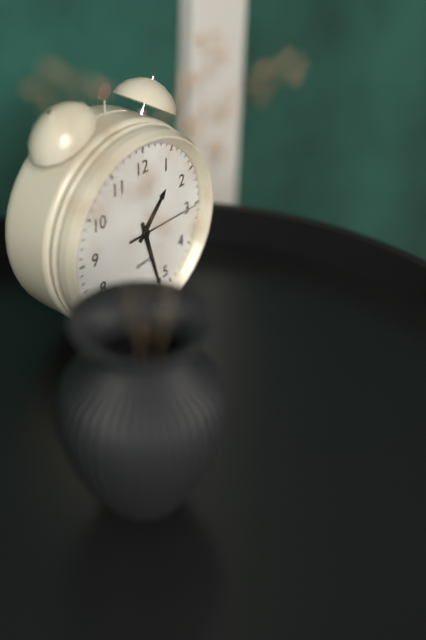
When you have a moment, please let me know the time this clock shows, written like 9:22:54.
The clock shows 1:27:15
